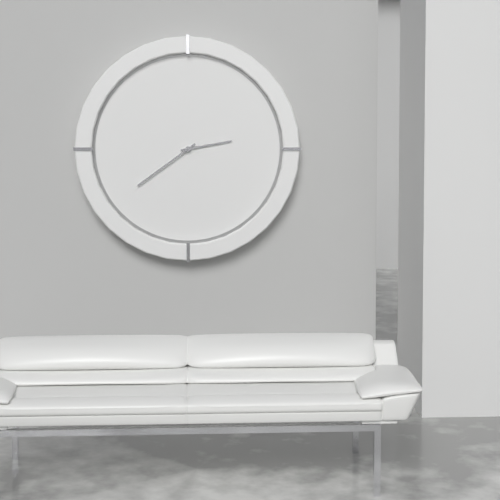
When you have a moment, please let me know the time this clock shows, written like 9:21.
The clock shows 2:39
